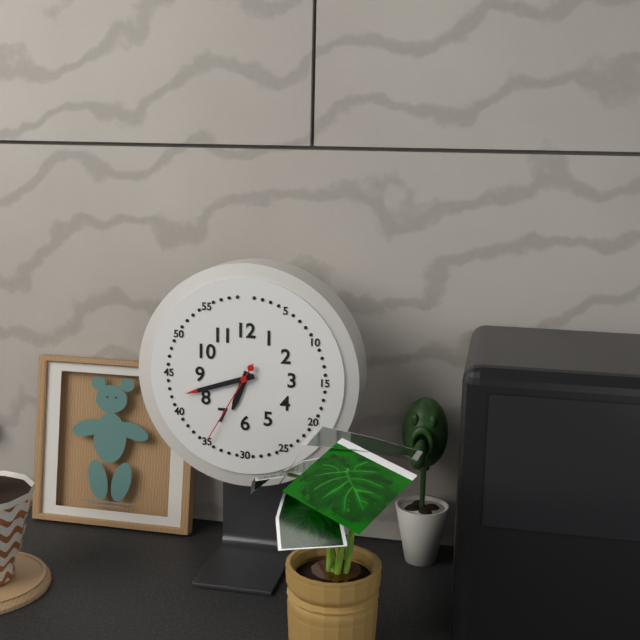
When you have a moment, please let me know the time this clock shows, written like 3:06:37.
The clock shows 6:42:35
